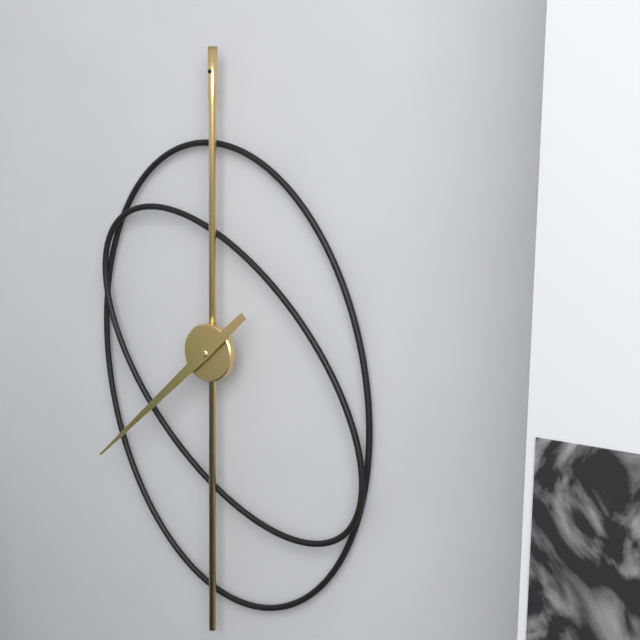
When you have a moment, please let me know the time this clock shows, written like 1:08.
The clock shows 7:38
